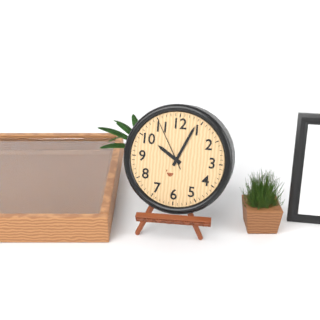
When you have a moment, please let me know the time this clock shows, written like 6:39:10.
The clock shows 10:04:55
